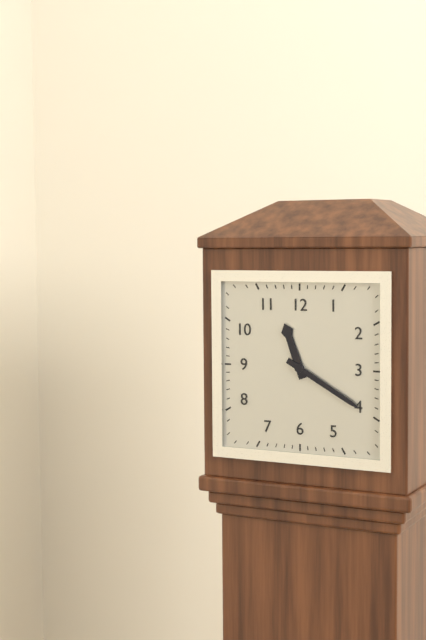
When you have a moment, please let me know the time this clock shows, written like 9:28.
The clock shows 11:20
